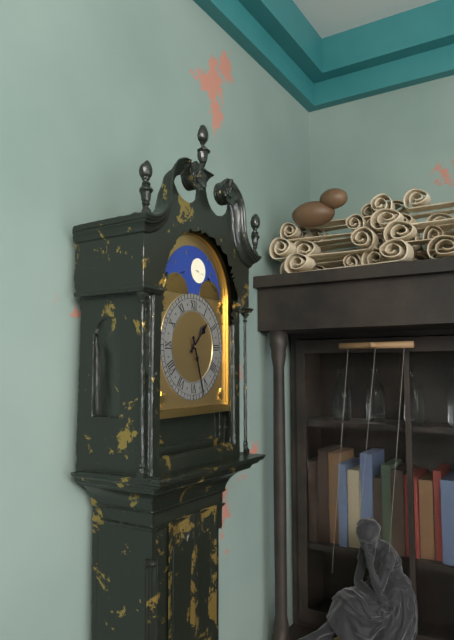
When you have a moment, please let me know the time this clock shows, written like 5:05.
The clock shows 1:27
